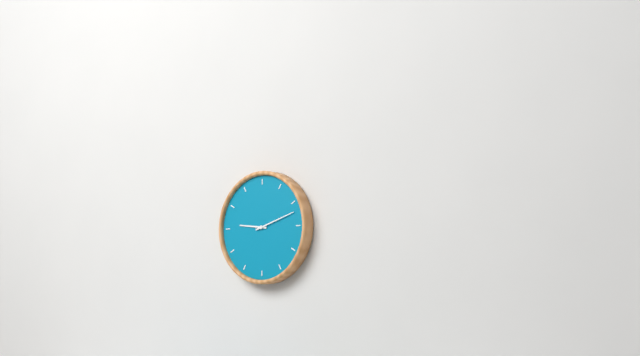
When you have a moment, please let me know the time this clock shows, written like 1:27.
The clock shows 9:12
